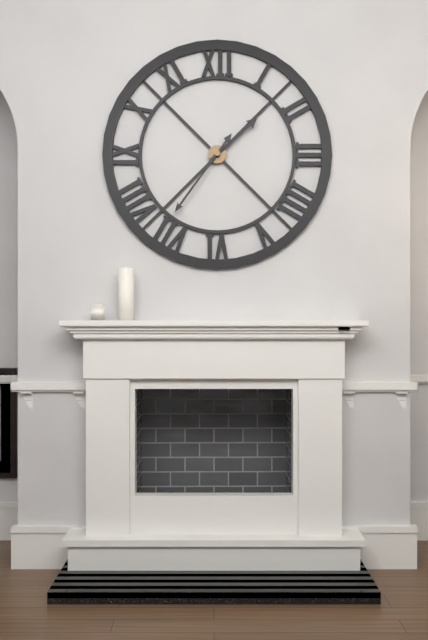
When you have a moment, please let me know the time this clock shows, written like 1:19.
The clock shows 1:36
